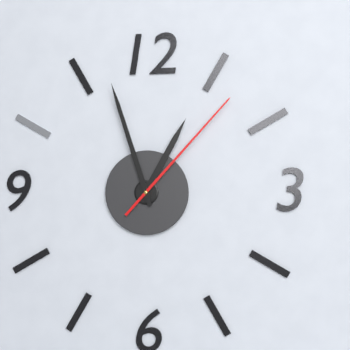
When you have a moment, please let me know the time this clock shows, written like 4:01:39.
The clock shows 12:57:07
